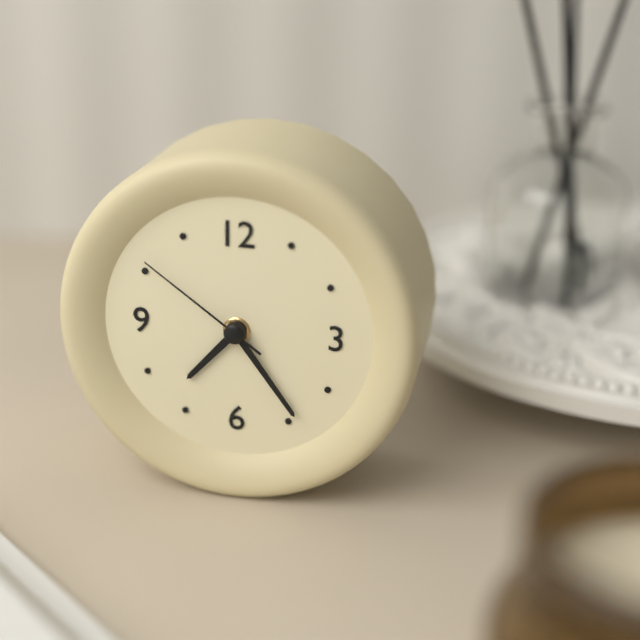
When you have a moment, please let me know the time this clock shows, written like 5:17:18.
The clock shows 7:24:51
